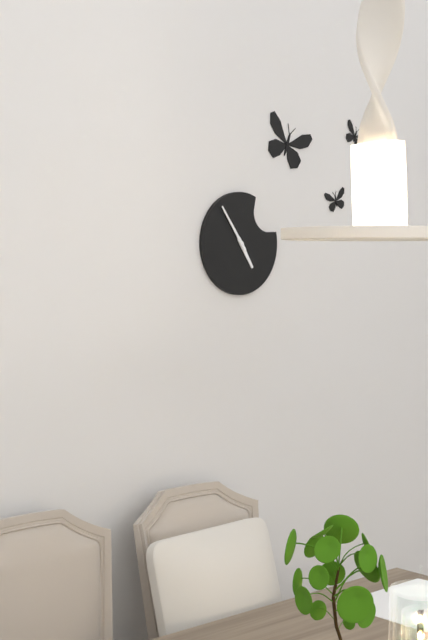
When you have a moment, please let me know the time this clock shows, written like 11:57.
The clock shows 4:54
